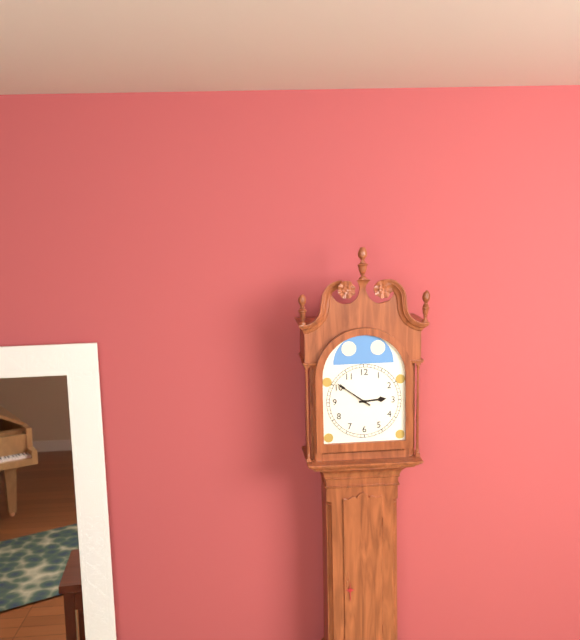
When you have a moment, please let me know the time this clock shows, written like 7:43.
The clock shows 2:51
